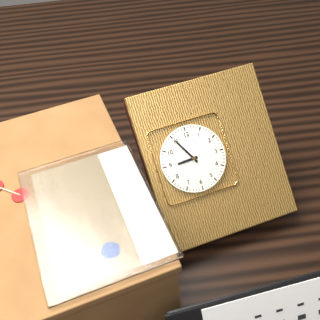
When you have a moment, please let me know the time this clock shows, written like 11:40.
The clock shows 8:55
